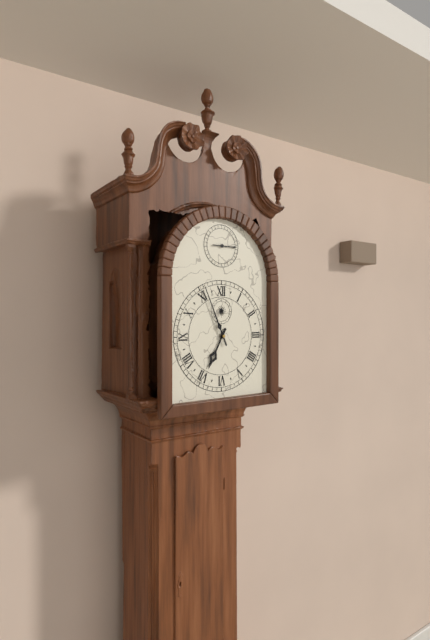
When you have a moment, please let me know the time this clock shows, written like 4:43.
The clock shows 6:56
